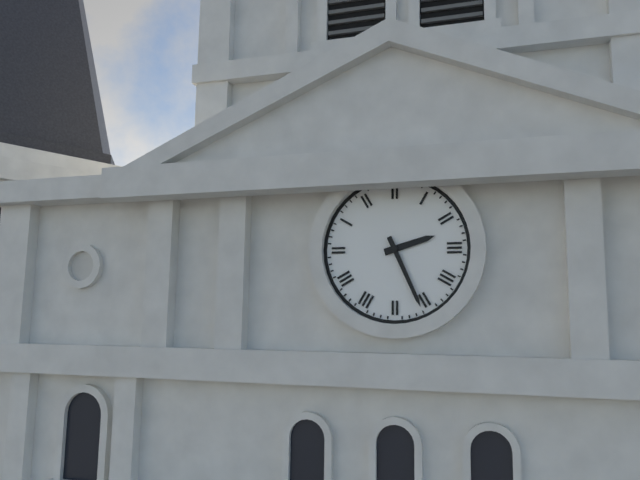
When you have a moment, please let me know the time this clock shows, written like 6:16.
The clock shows 2:26
